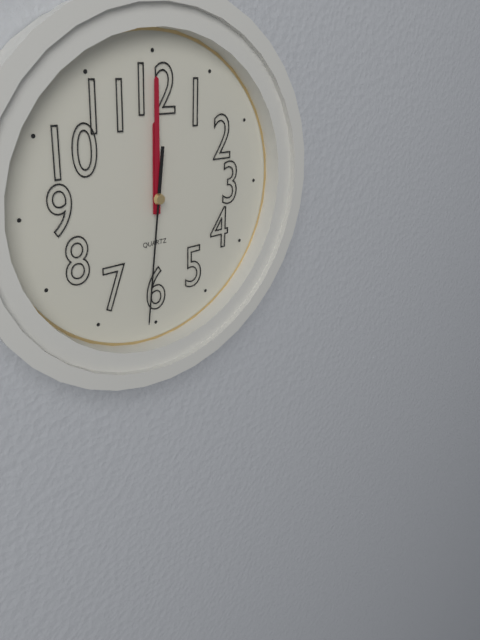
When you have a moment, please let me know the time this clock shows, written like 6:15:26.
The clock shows 12:00:31
